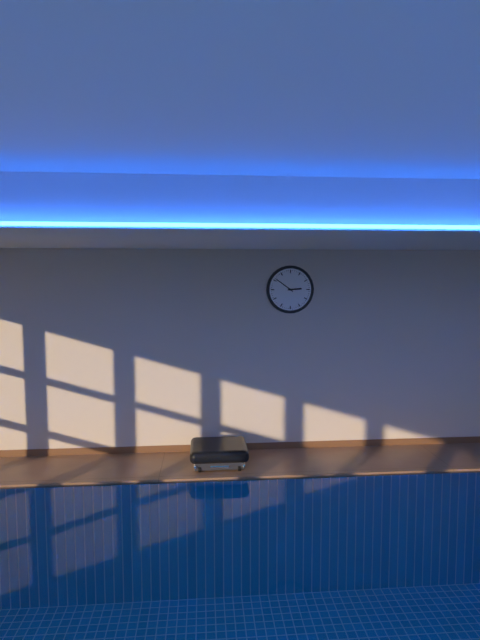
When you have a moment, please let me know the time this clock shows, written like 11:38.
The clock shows 2:51
